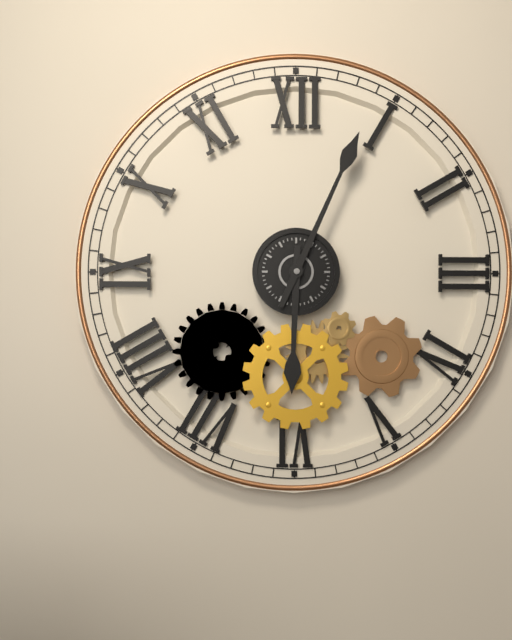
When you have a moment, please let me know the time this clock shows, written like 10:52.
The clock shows 6:04
